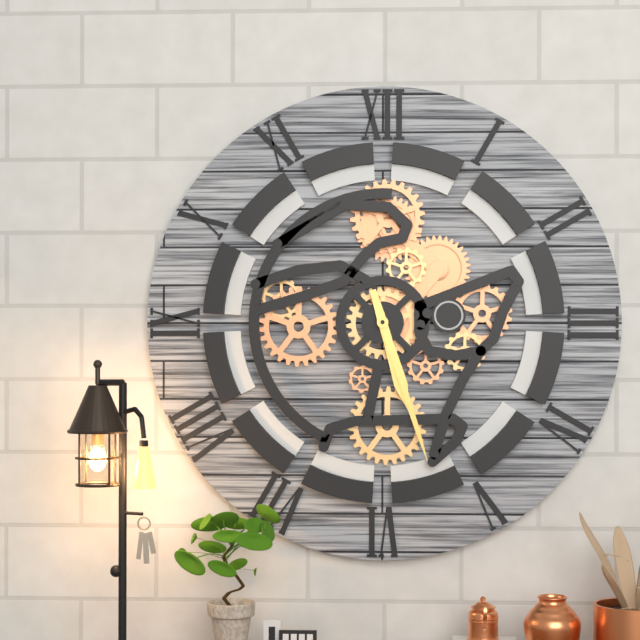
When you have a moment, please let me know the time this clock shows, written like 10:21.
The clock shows 5:27
